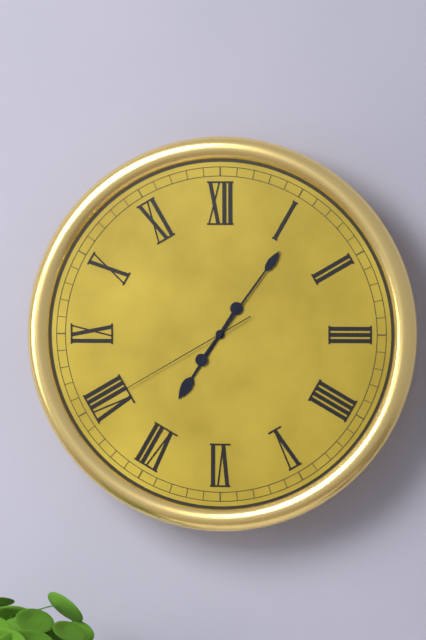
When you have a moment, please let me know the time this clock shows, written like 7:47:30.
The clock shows 7:06:40
